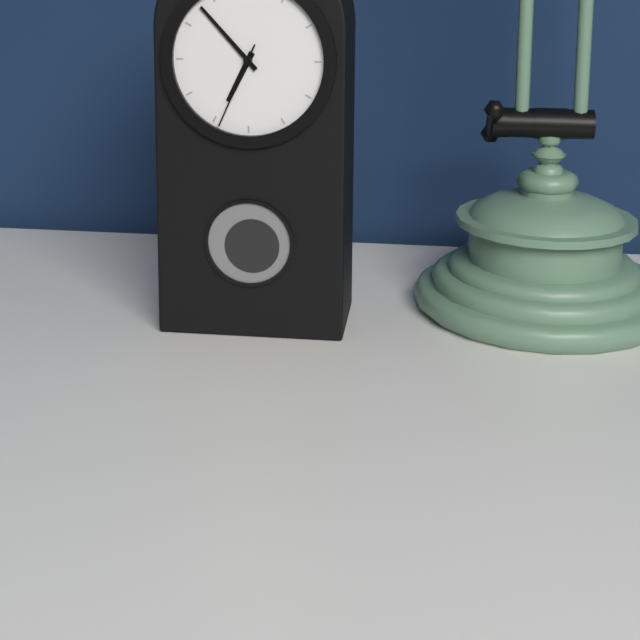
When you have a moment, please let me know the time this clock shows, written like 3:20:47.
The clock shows 6:53:34
